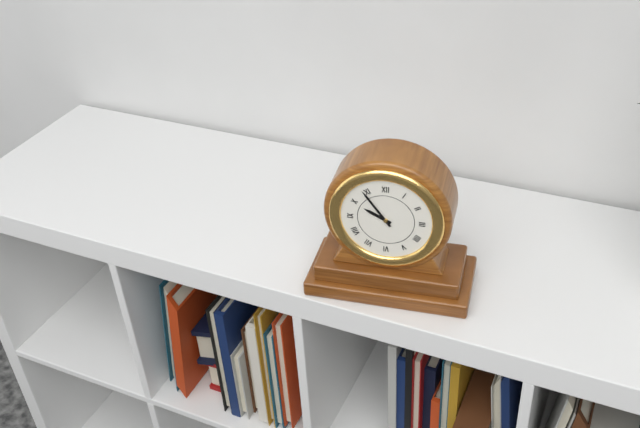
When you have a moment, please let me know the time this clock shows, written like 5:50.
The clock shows 9:54
